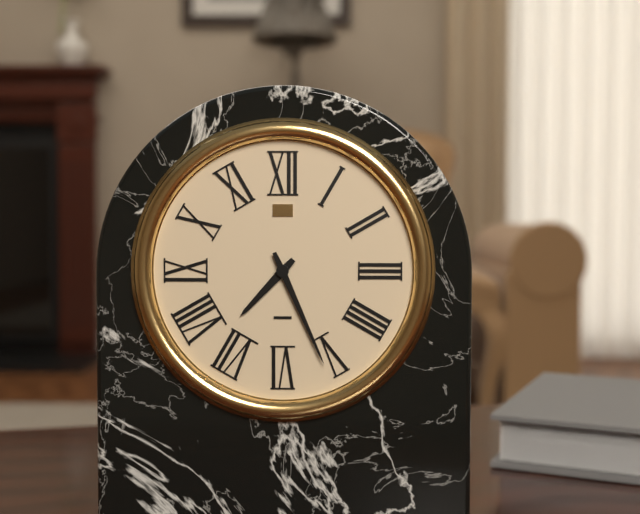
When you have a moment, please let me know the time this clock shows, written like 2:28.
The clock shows 7:26
